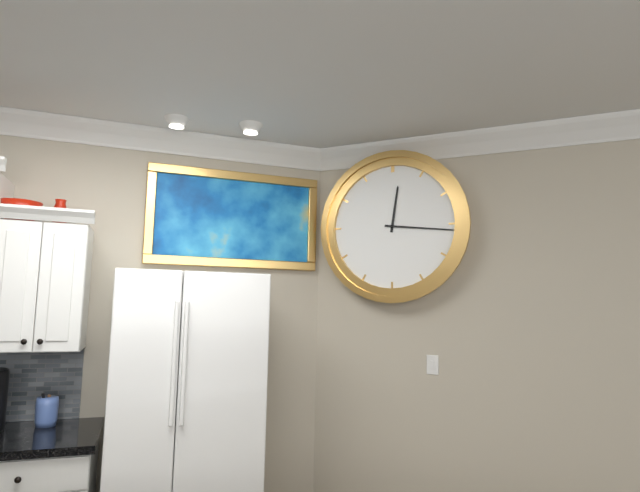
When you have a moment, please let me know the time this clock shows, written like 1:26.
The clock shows 12:16
